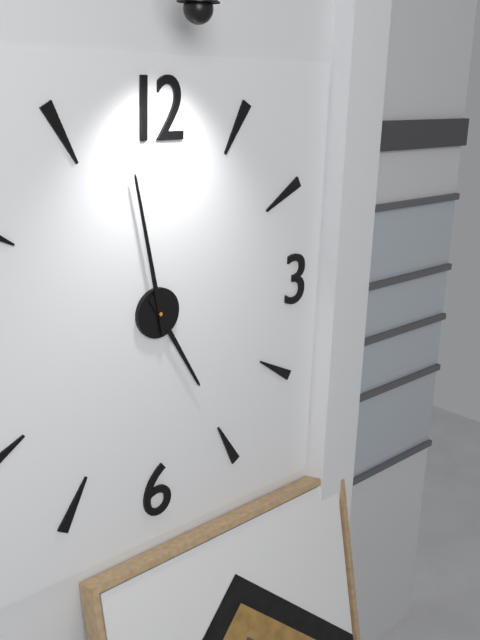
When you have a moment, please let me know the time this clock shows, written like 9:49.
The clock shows 4:58
